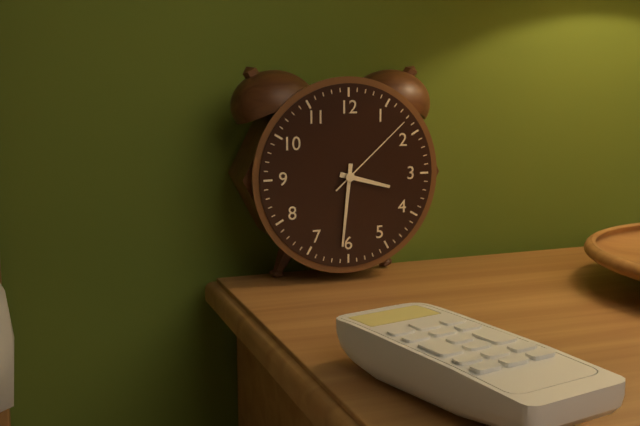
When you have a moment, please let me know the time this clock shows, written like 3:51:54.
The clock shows 3:31:08
